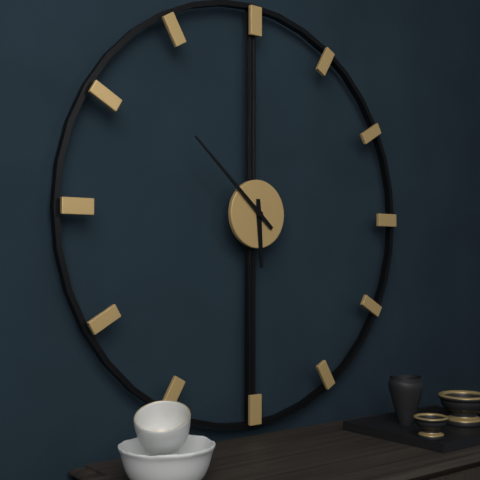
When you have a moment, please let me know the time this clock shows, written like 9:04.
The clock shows 5:52
